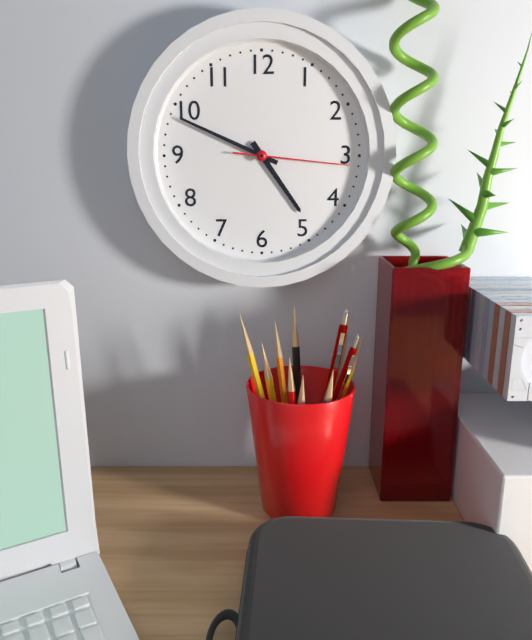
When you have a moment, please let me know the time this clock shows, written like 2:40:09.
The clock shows 4:49:16
